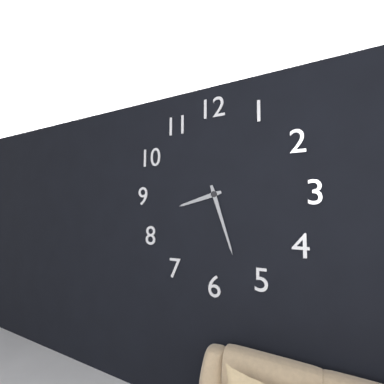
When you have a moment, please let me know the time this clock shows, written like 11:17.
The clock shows 8:27
